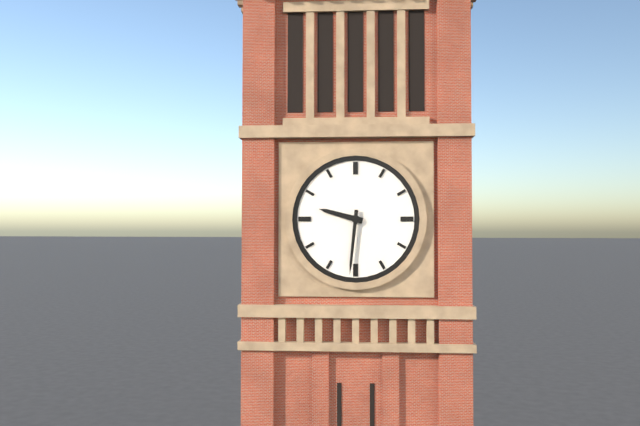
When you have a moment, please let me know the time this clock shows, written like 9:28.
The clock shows 9:31
